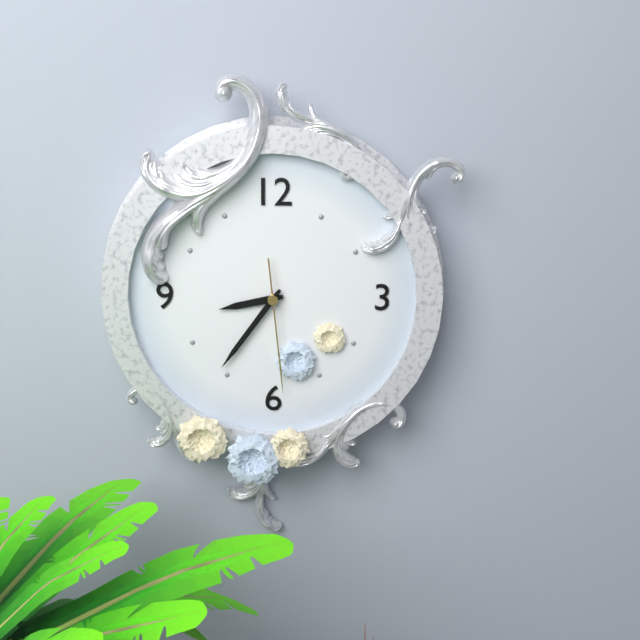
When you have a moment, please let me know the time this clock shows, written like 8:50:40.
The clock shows 8:36:29
